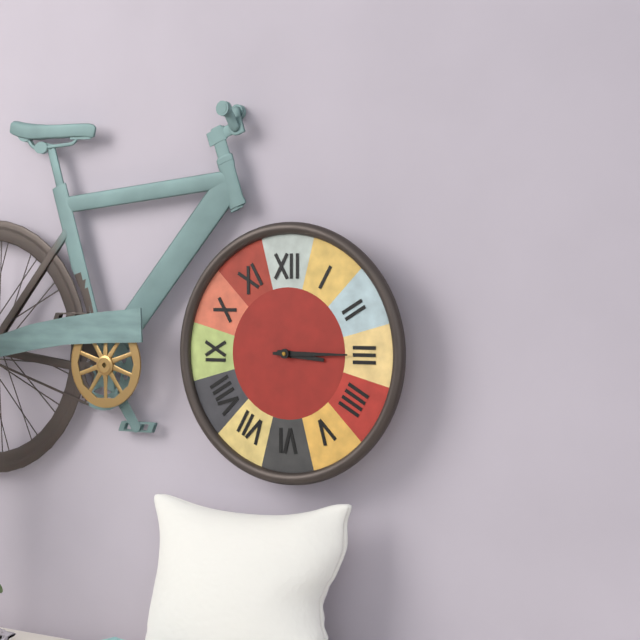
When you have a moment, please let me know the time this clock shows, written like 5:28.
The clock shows 3:15
